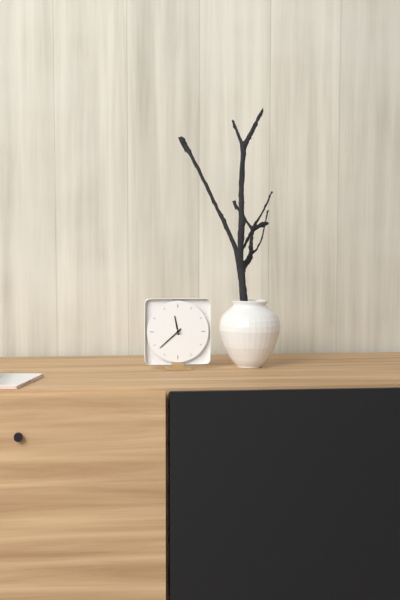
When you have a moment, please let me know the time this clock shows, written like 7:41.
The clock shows 11:38
